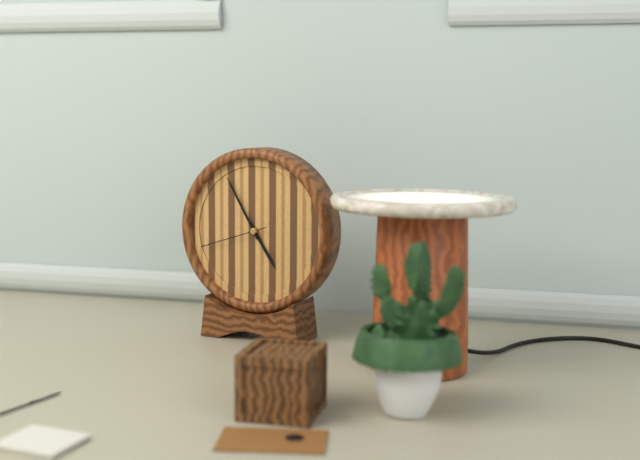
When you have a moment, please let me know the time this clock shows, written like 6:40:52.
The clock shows 4:55:42
